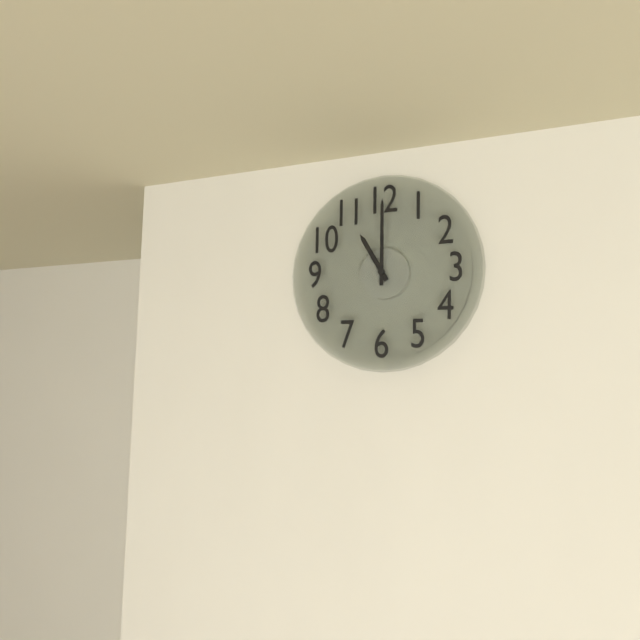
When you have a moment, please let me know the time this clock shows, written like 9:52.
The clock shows 11:00
